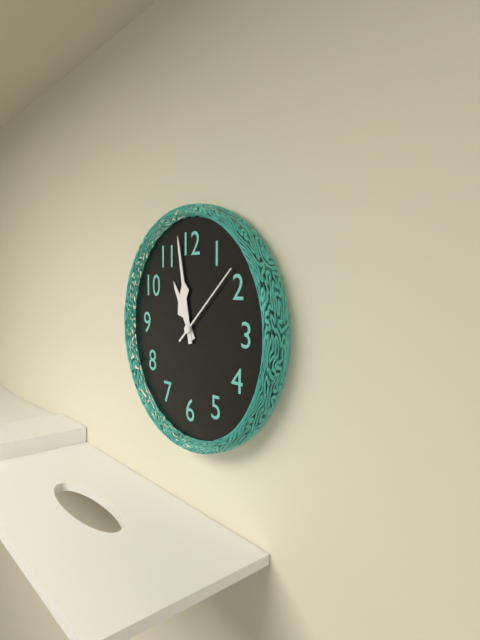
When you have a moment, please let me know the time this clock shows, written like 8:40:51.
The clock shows 10:58:08
